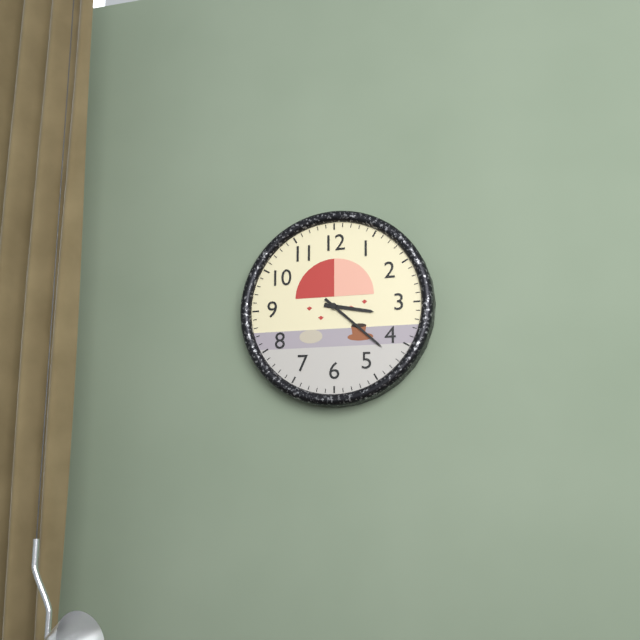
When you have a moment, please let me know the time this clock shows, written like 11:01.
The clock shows 3:22
